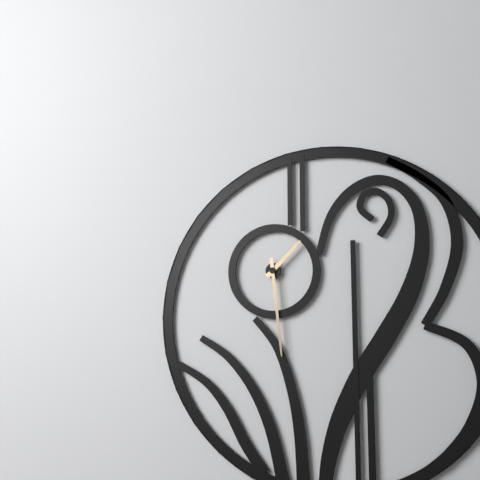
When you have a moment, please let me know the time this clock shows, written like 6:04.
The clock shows 1:29
